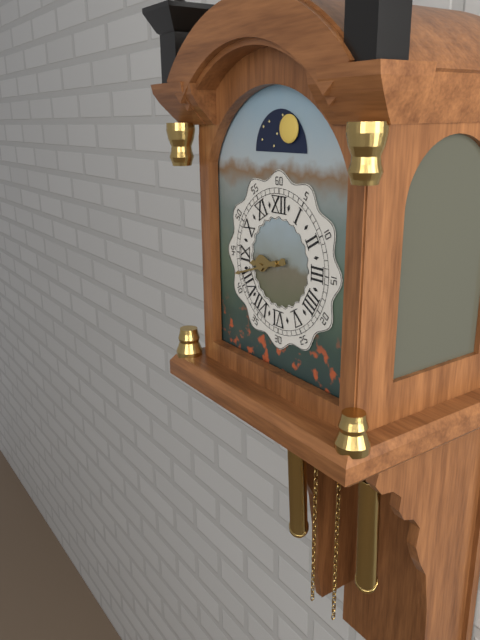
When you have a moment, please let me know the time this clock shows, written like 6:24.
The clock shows 8:42
